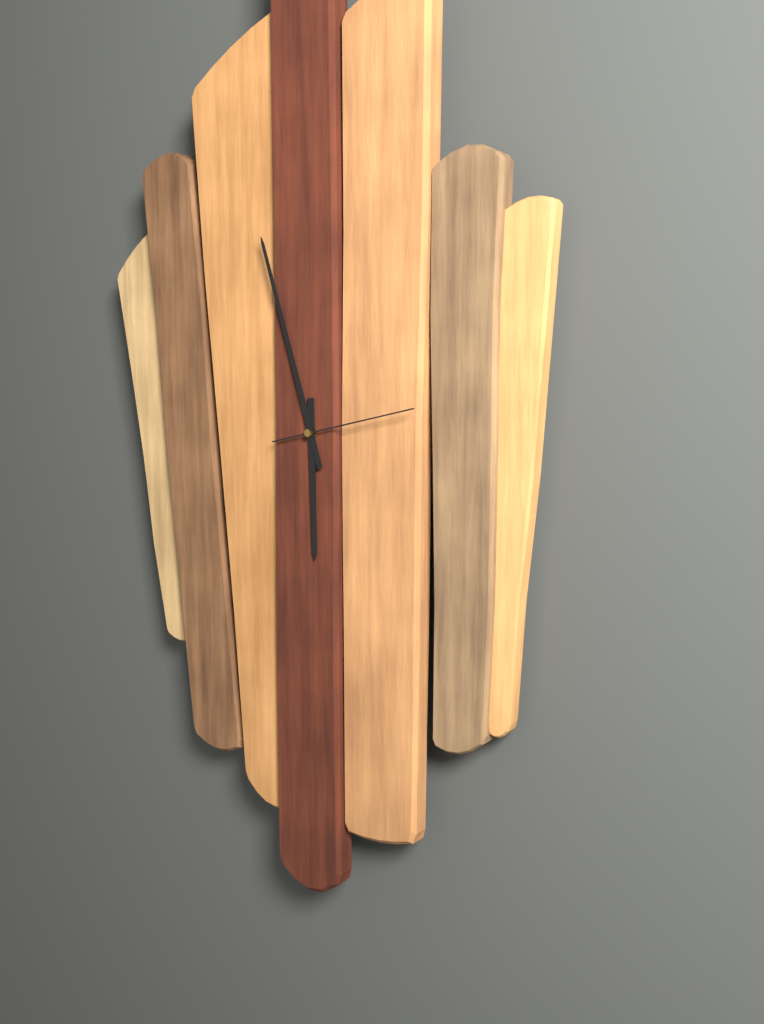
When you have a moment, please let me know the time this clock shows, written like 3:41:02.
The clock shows 5:57:13
